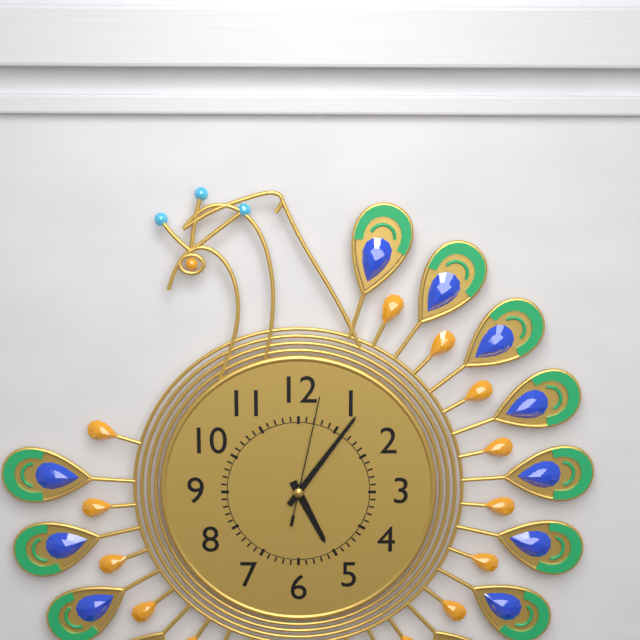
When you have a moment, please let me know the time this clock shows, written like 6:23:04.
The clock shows 5:06:02
